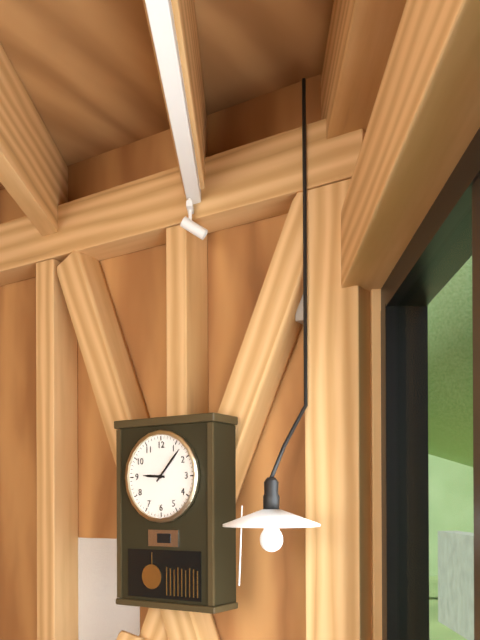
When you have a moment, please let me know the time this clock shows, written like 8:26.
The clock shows 9:07
